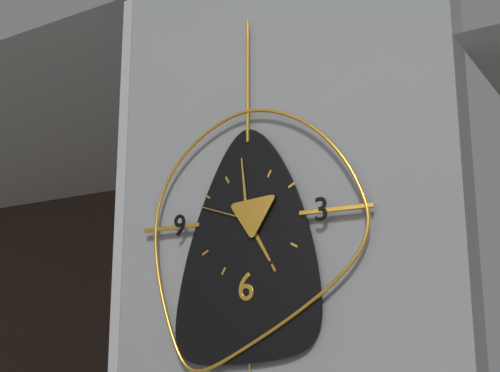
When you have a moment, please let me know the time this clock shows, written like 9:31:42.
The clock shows 4:59:48
